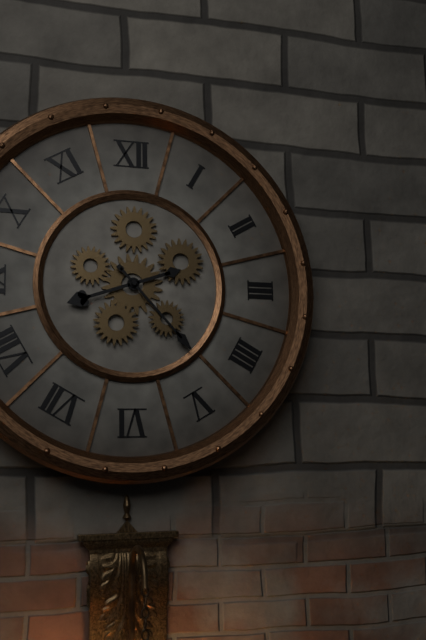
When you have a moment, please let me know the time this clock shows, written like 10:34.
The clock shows 8:23
